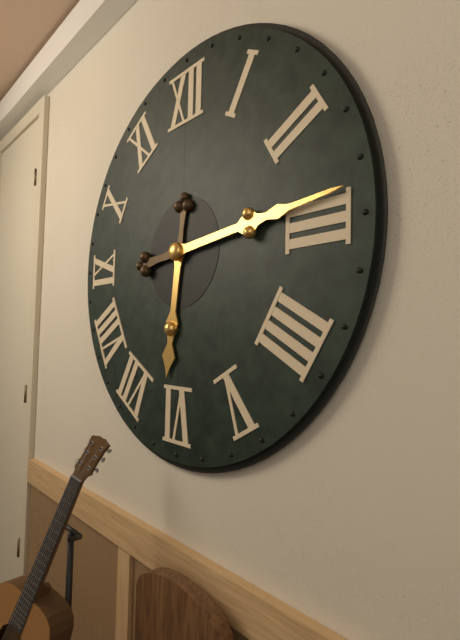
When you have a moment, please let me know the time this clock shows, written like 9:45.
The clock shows 6:14
